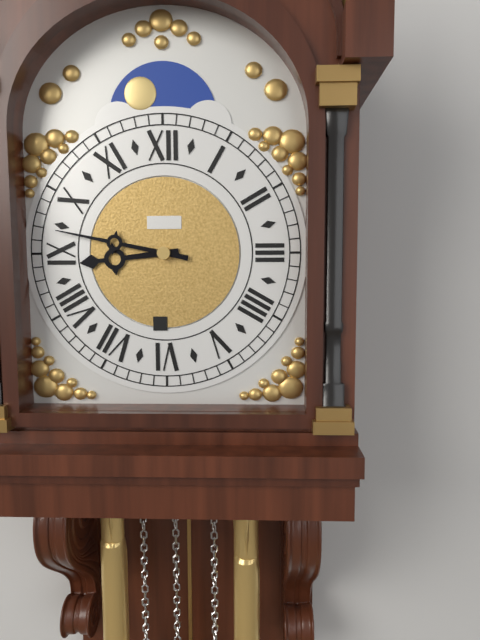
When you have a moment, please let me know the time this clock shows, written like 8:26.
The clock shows 8:47
